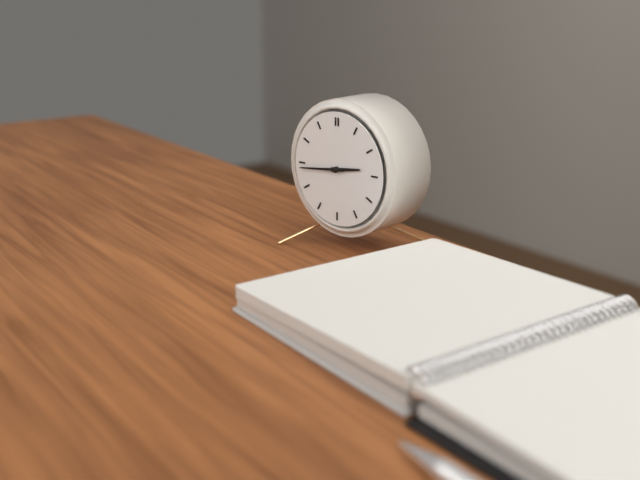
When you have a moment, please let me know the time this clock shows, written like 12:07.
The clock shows 2:44
